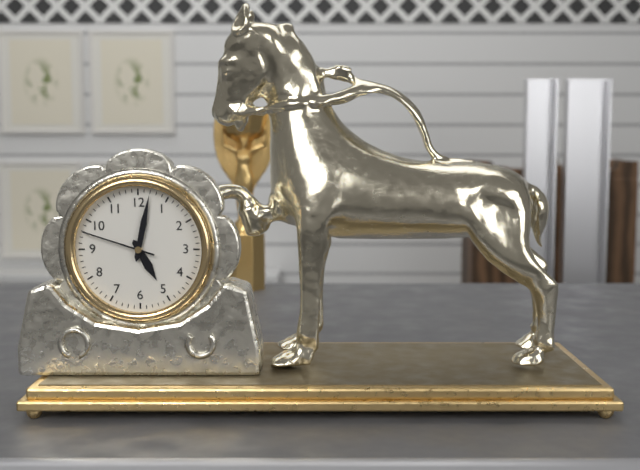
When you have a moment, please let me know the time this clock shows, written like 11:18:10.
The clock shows 5:02:48
